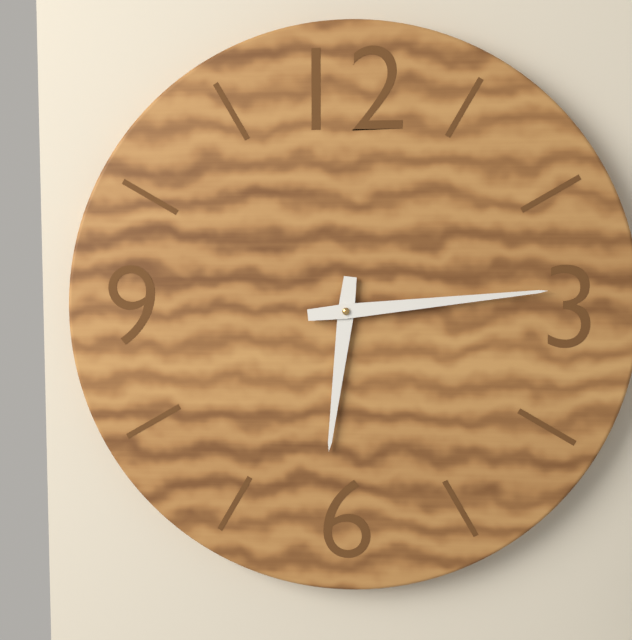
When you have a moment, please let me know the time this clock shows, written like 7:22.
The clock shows 6:14
